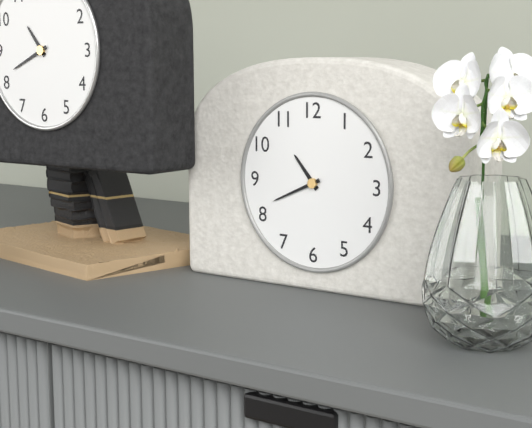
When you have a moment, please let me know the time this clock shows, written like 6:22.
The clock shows 10:41
